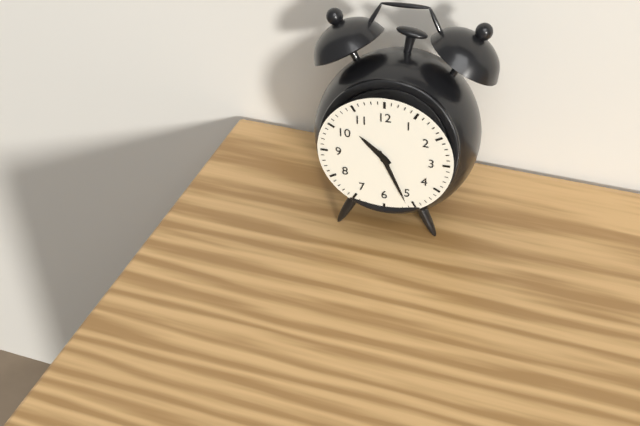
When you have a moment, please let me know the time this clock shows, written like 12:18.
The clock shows 10:26
